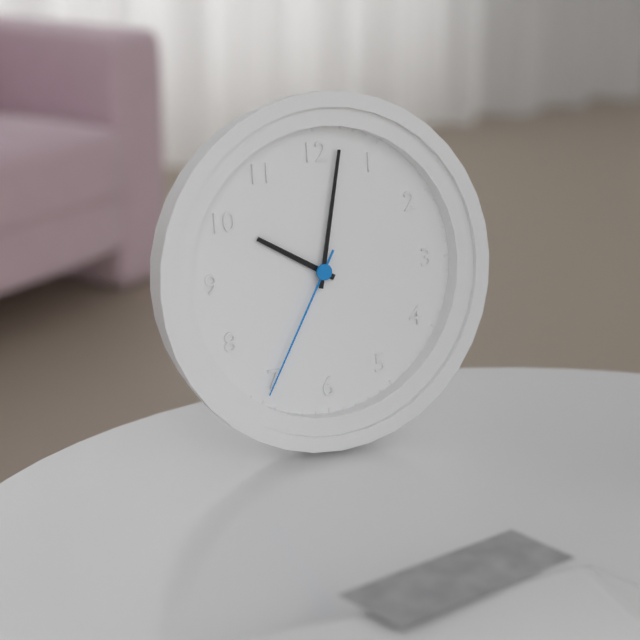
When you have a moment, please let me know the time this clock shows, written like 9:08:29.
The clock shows 10:02:35
